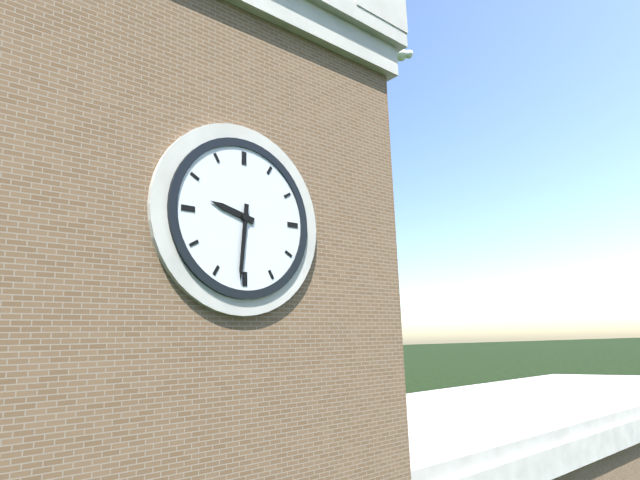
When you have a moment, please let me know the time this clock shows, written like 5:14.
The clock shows 9:31
